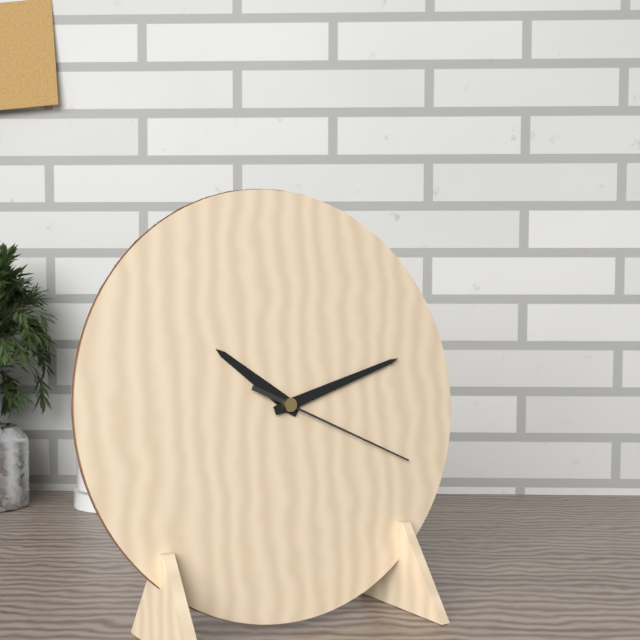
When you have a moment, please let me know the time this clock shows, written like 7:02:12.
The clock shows 10:12:19
